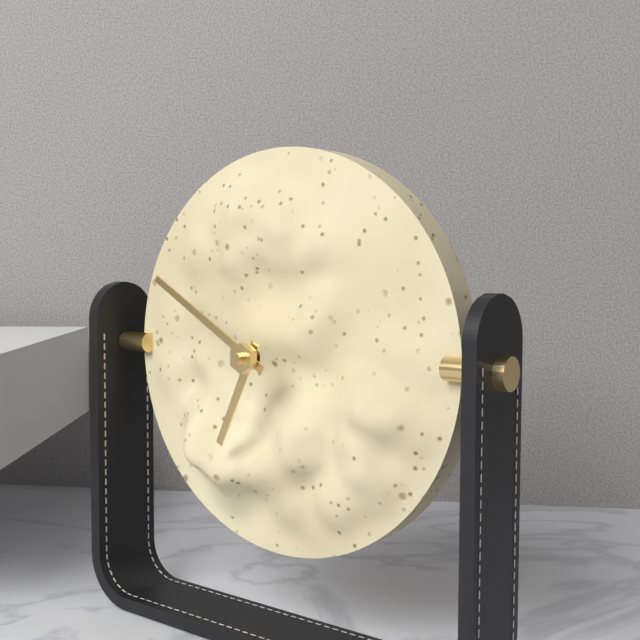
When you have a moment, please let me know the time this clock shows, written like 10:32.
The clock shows 6:50
